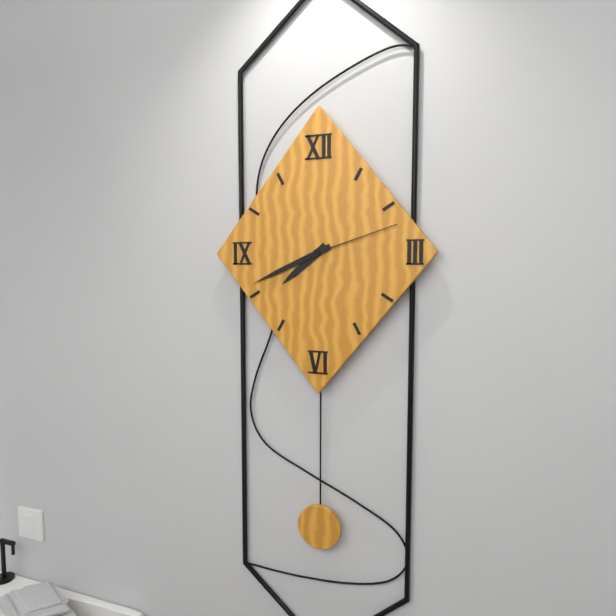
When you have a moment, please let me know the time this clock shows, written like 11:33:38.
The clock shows 7:41:12
